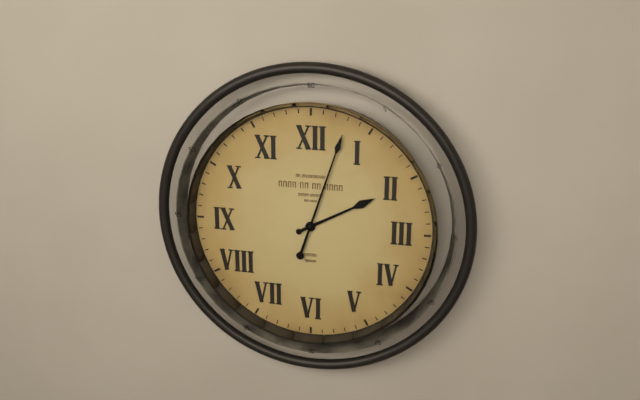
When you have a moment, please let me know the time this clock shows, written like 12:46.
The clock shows 2:03
